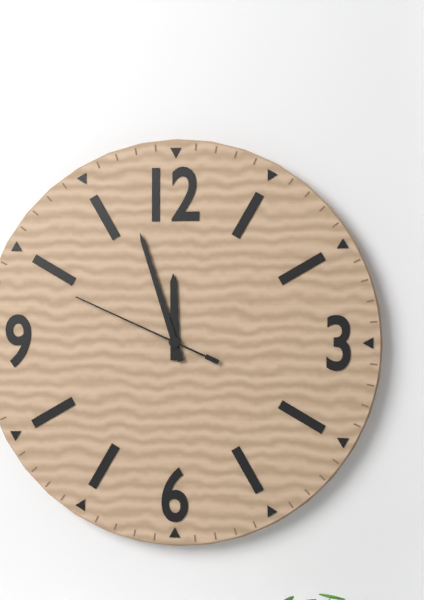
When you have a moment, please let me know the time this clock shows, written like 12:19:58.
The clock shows 11:57:49
